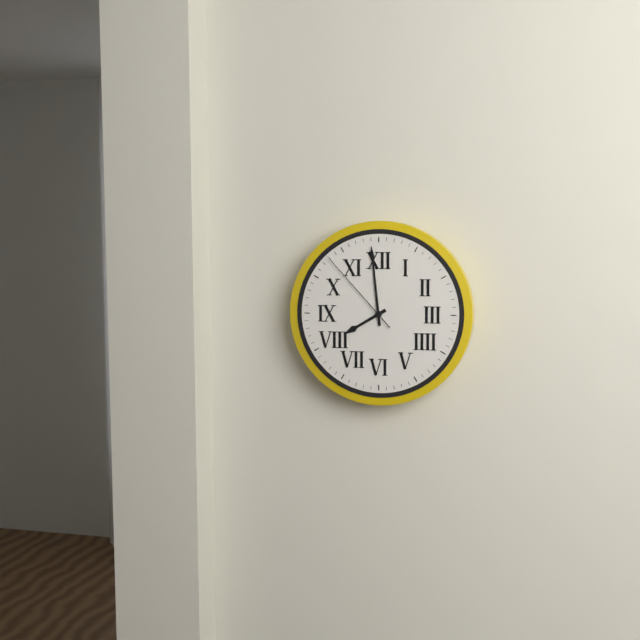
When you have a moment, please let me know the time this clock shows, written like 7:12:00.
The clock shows 7:59:53
